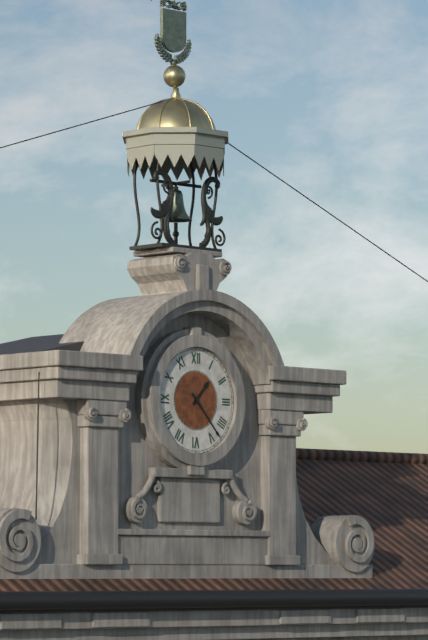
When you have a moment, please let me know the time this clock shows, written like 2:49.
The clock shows 1:23
